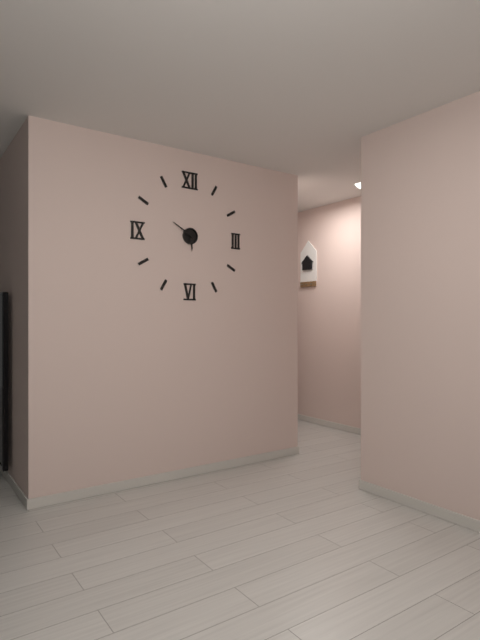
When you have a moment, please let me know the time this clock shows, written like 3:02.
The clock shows 5:50
